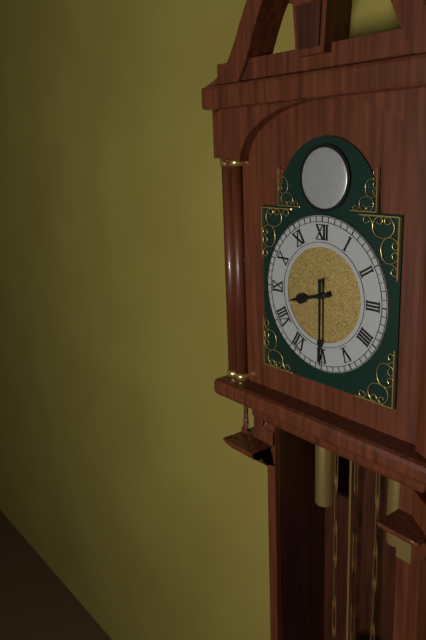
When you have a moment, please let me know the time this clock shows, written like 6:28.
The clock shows 8:30
